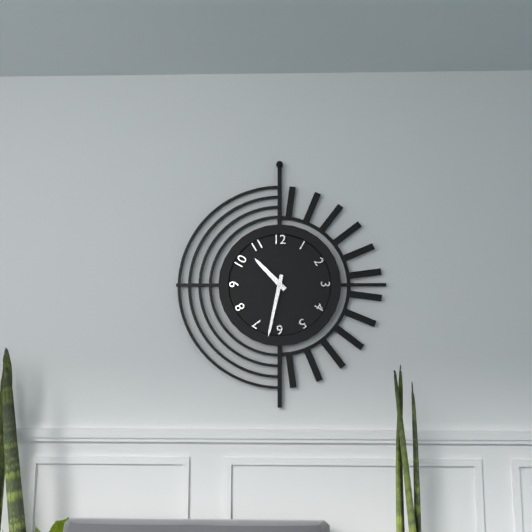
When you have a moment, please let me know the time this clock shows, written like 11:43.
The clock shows 10:32
